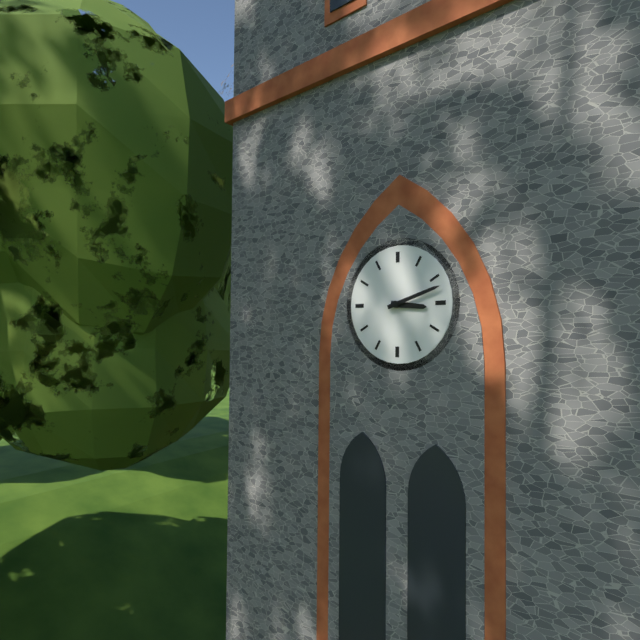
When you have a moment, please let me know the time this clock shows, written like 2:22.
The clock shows 3:12
